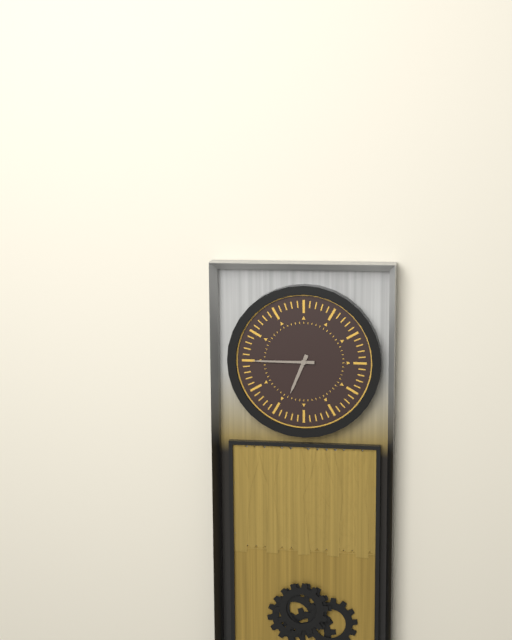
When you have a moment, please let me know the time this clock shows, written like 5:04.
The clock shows 6:45
